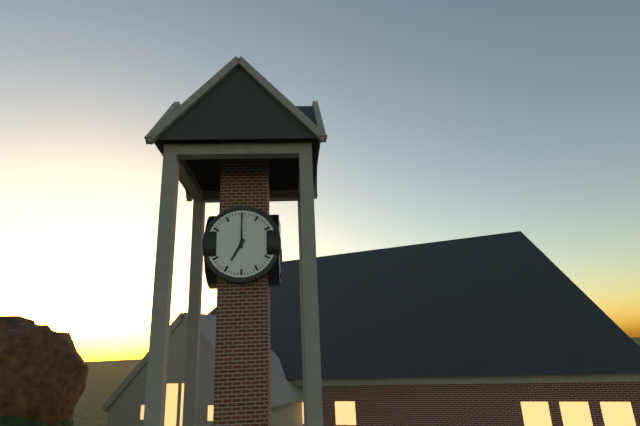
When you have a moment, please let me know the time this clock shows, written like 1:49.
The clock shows 7:00
